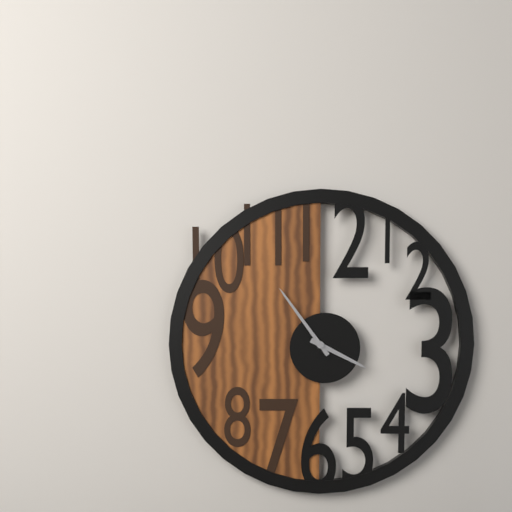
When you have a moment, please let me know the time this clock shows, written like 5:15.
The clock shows 3:54
